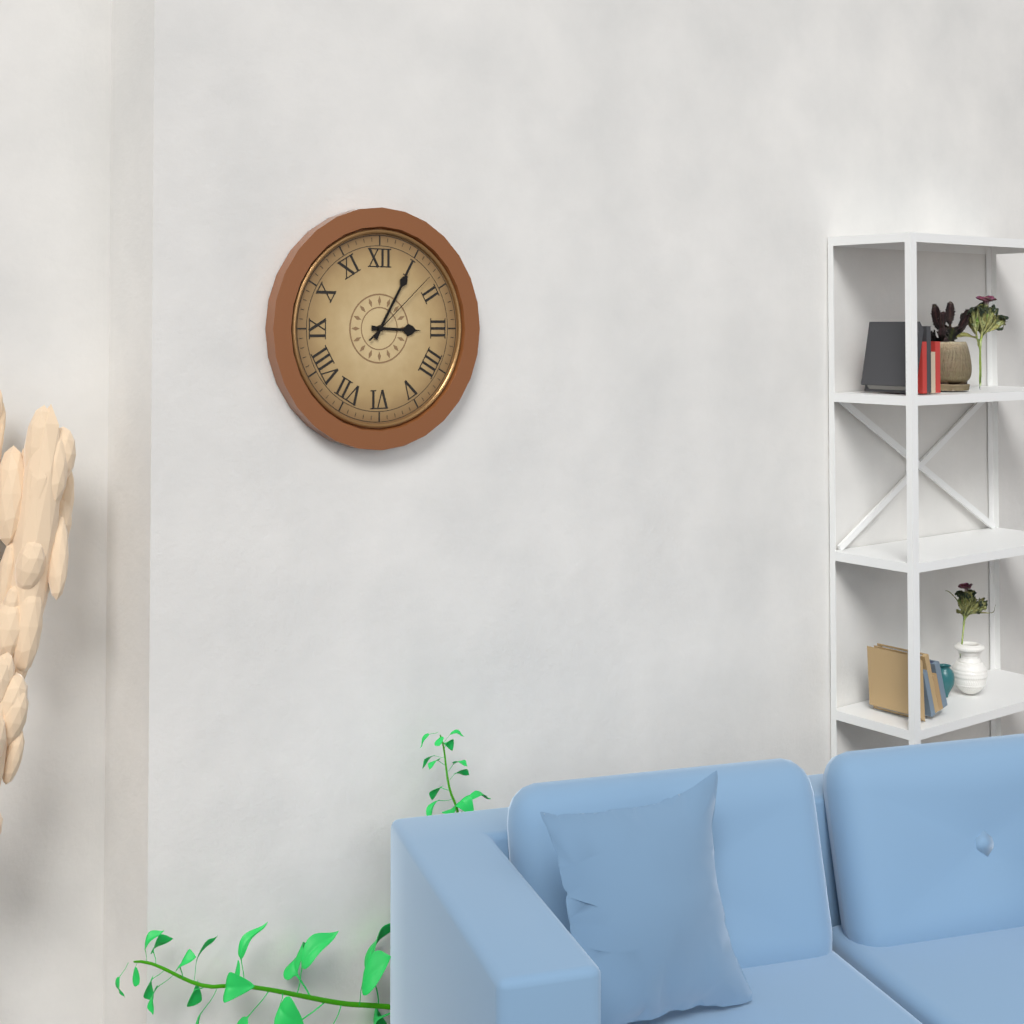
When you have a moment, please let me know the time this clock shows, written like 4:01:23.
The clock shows 3:05:08
